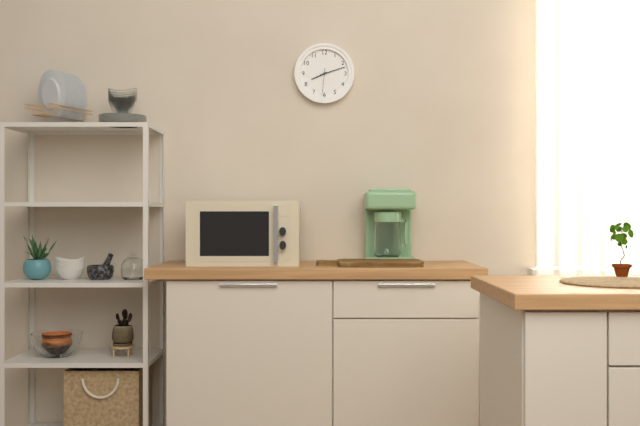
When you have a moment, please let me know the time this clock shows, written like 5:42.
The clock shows 8:12
